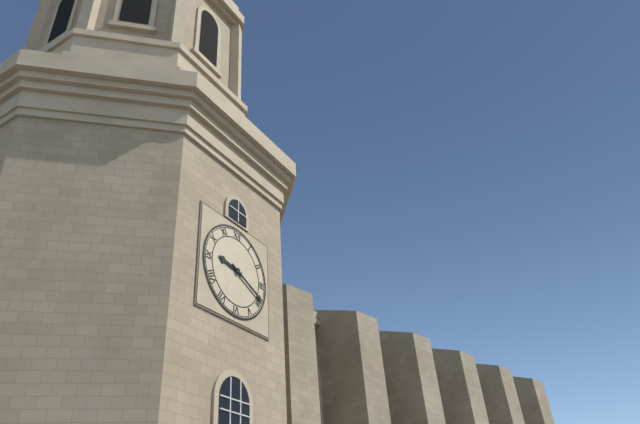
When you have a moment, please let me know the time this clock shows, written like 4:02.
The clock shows 9:19
